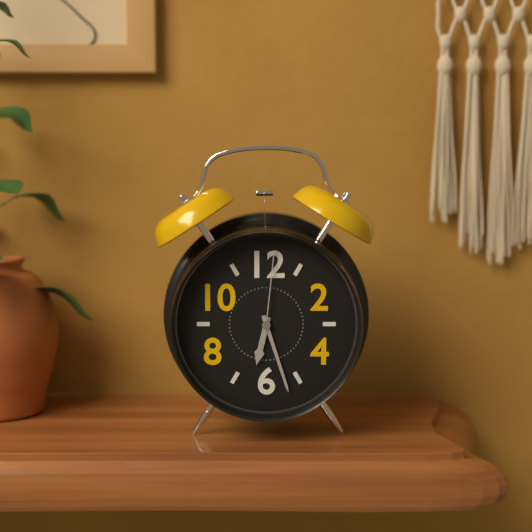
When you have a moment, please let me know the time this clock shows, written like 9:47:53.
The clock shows 6:27:01
